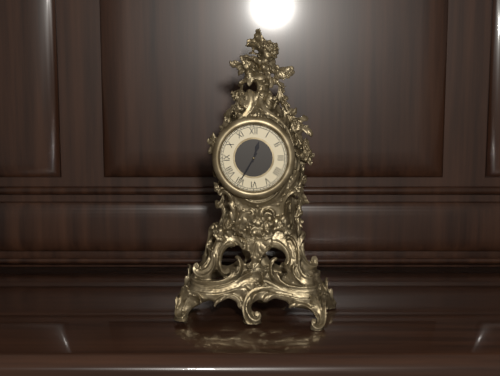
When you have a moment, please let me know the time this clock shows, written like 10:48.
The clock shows 12:35
